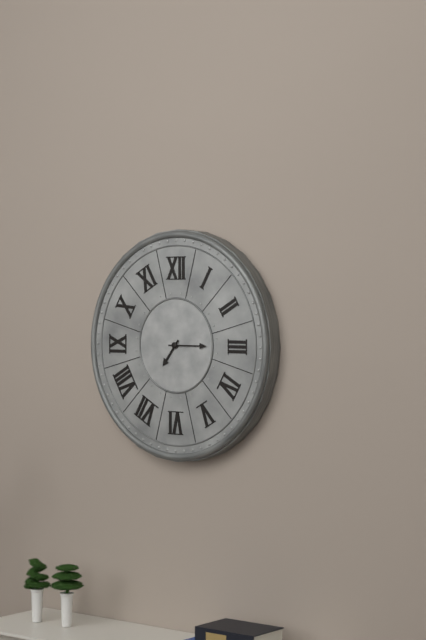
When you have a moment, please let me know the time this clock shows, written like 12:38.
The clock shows 7:15
